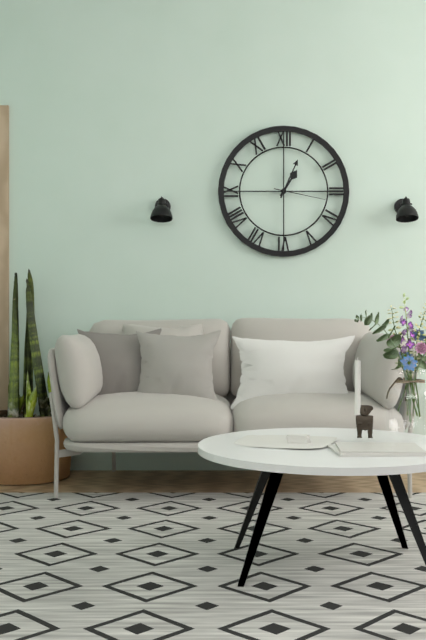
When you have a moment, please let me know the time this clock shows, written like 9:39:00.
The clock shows 1:04:17
